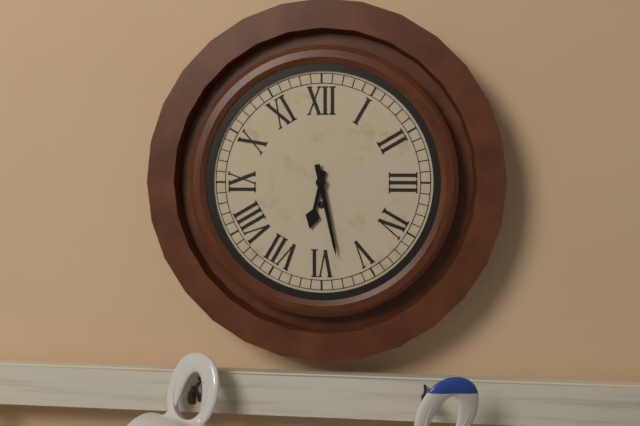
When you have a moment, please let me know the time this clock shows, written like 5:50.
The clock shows 6:28
